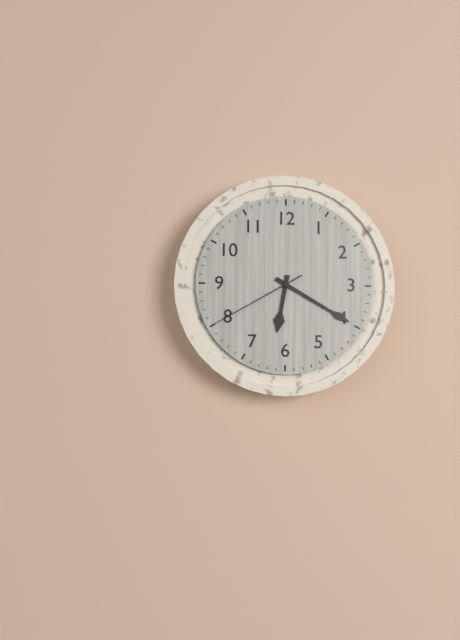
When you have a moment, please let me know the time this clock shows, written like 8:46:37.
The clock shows 6:20:40
